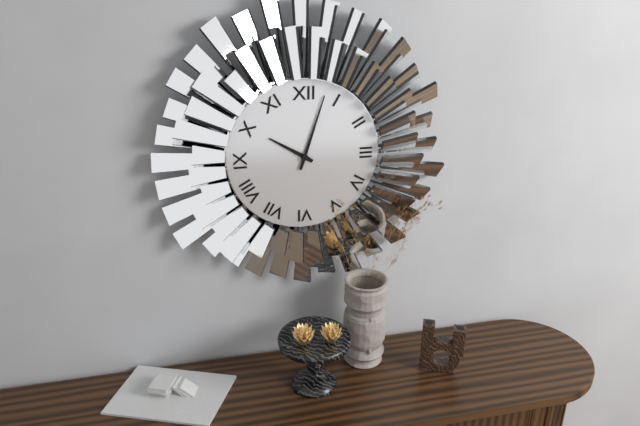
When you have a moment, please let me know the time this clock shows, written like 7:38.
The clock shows 10:03
